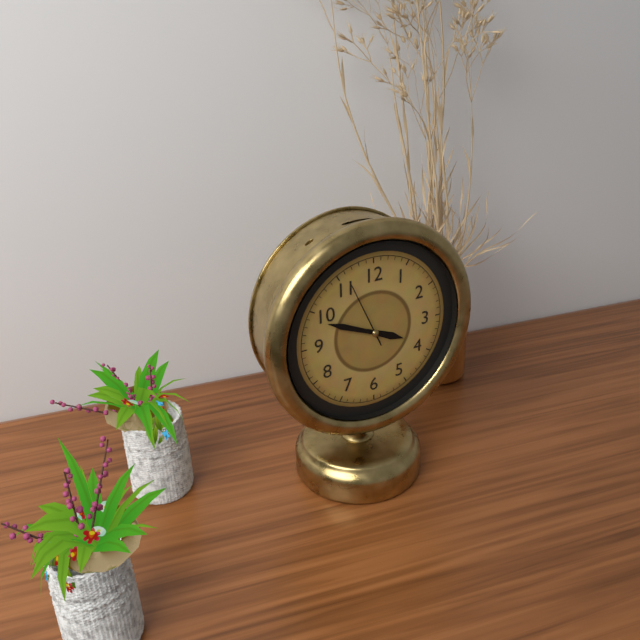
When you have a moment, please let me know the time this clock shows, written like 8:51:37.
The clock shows 3:49:56
